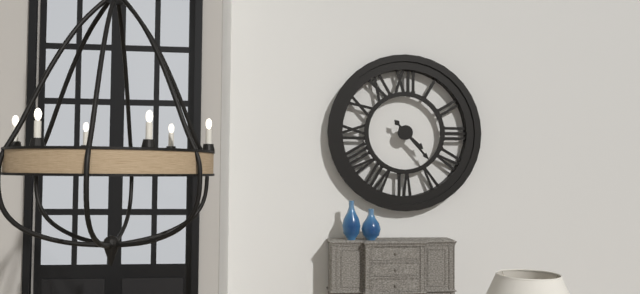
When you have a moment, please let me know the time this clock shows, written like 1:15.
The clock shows 4:23
